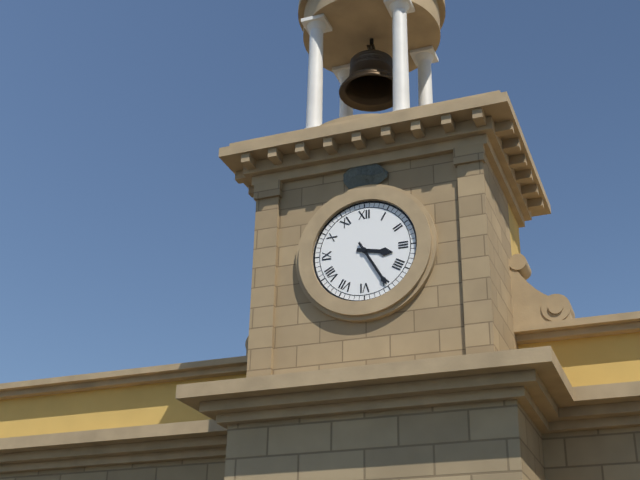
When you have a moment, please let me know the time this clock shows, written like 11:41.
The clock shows 3:25
